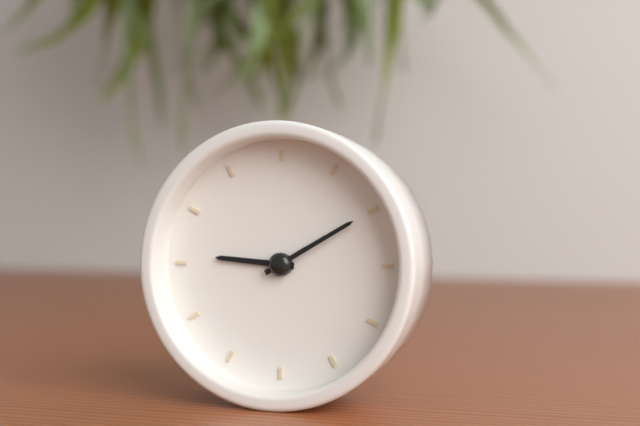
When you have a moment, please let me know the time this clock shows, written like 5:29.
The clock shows 9:10
